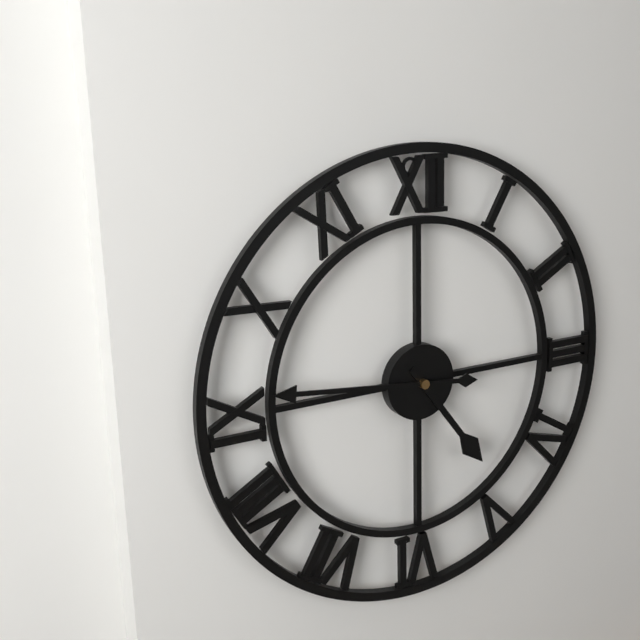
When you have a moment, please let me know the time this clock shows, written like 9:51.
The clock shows 4:46
